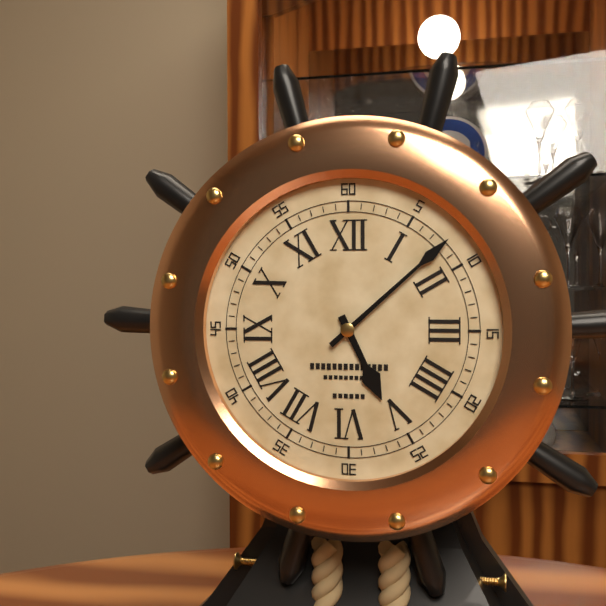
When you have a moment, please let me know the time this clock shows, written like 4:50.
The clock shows 5:08
